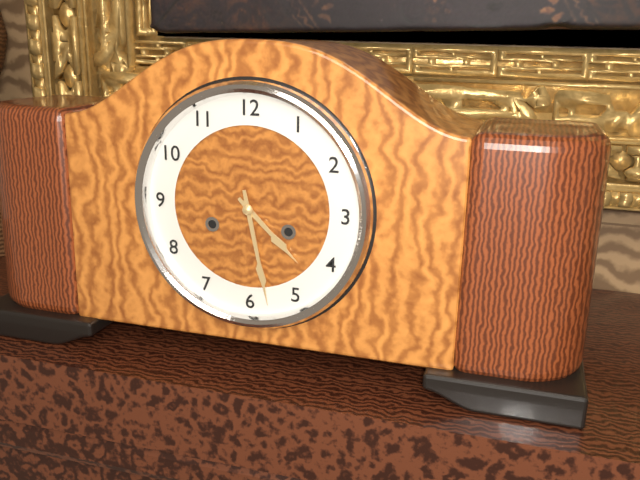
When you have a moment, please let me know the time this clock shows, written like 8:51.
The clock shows 4:28
